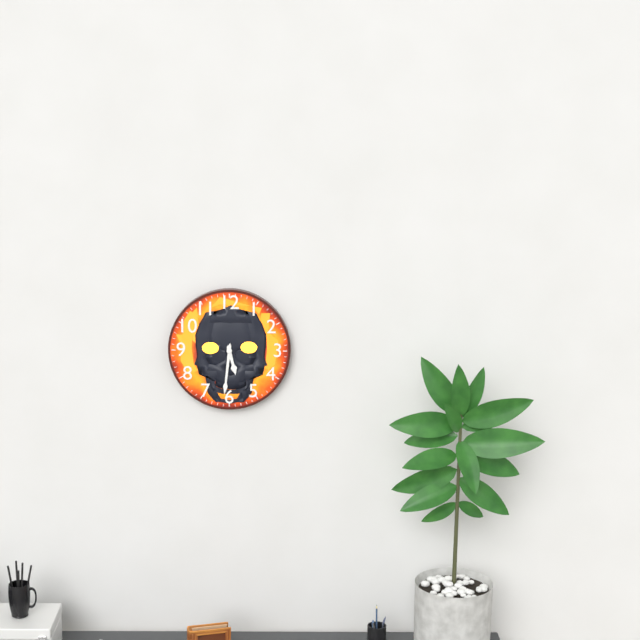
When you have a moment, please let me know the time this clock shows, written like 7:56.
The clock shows 5:31
